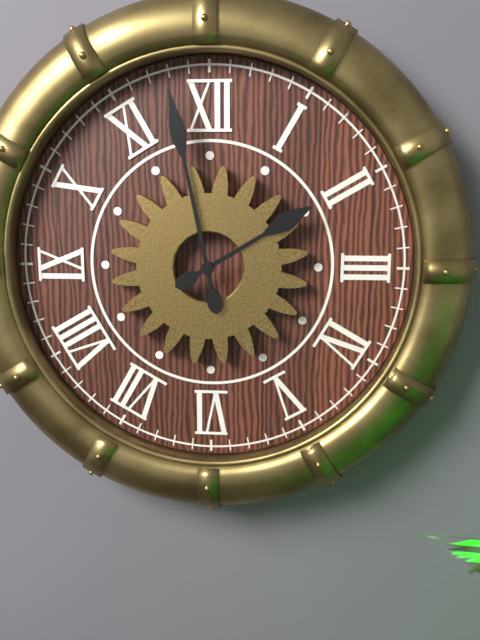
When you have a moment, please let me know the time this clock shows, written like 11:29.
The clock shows 1:58
